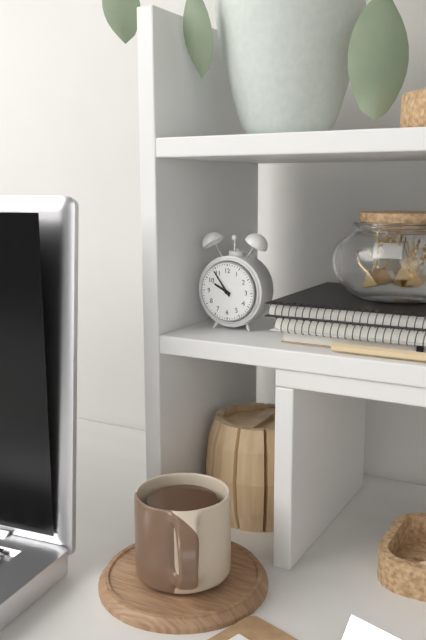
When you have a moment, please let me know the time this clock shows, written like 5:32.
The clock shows 9:54
